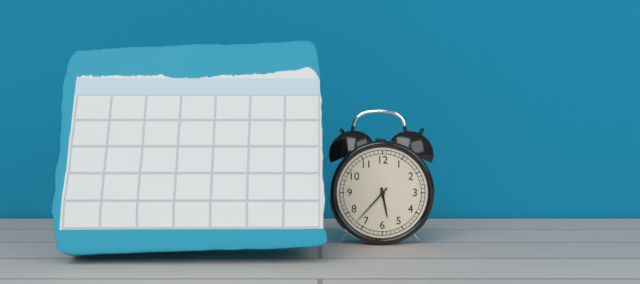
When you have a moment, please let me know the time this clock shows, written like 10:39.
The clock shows 5:37
